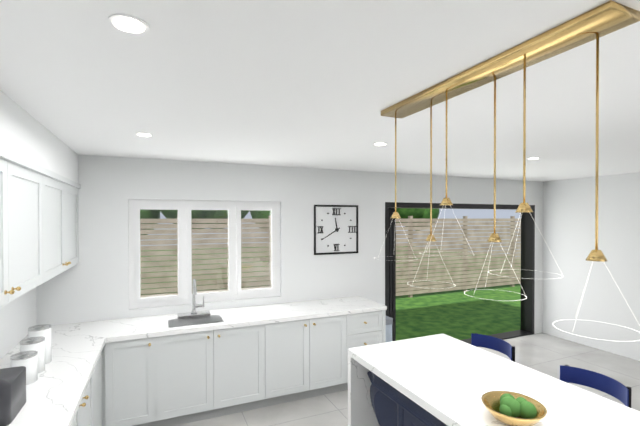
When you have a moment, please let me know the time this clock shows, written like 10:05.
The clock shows 11:40
